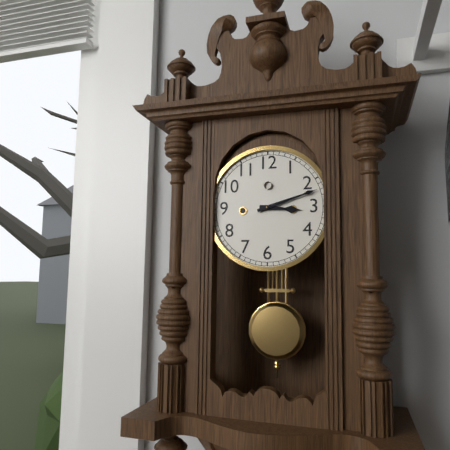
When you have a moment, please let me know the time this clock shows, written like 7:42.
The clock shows 3:12
